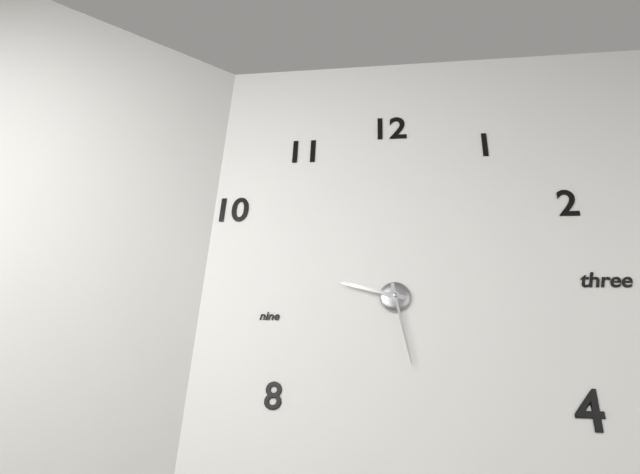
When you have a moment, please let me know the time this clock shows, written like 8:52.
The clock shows 9:28
